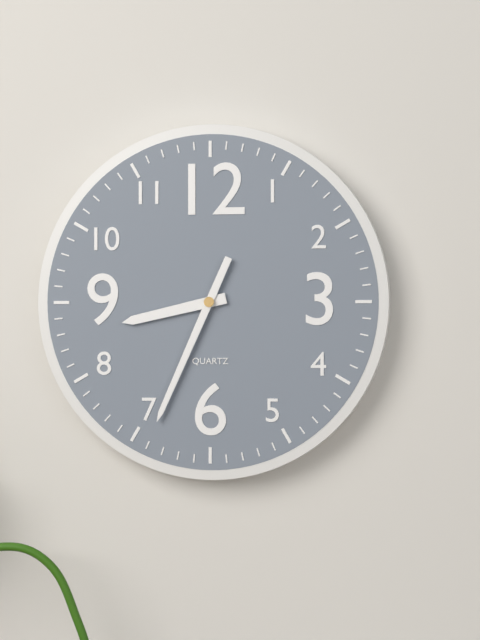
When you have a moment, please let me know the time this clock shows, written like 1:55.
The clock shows 8:34
